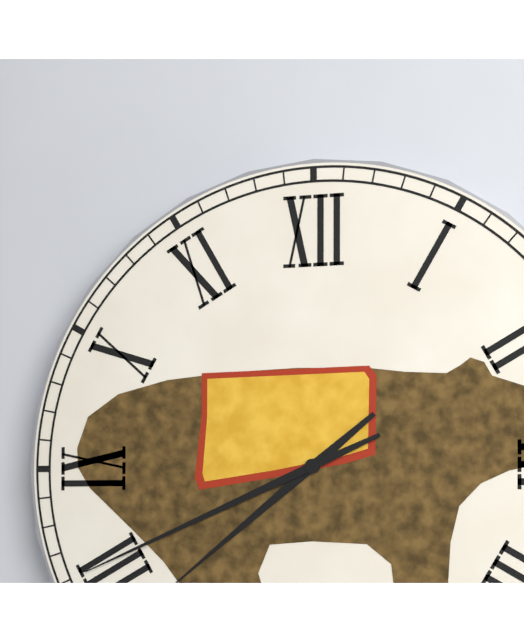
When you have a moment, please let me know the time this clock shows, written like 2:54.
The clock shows 7:41
